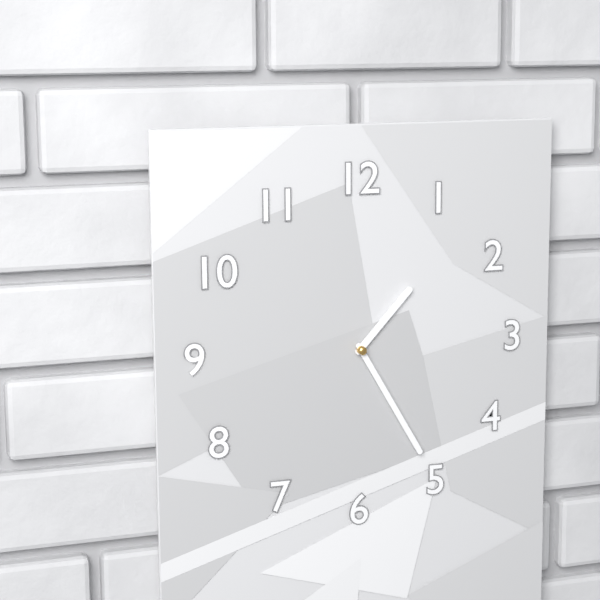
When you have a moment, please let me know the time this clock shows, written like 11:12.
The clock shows 1:25
